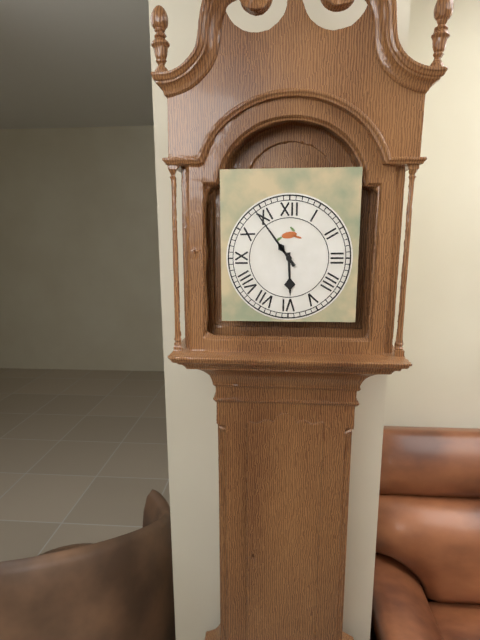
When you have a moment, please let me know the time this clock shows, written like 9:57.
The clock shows 5:54
